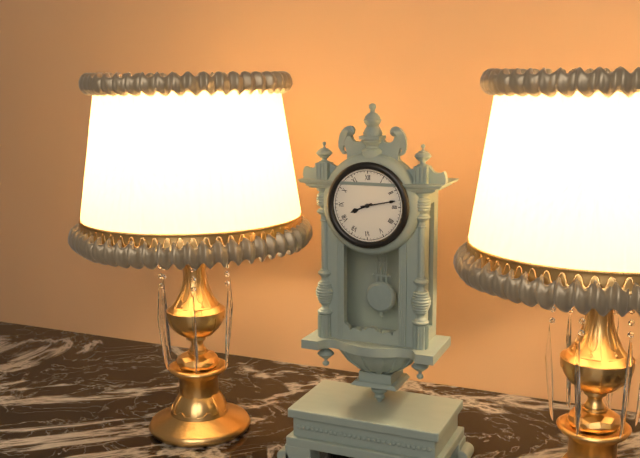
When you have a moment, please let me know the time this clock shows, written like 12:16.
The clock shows 8:13
